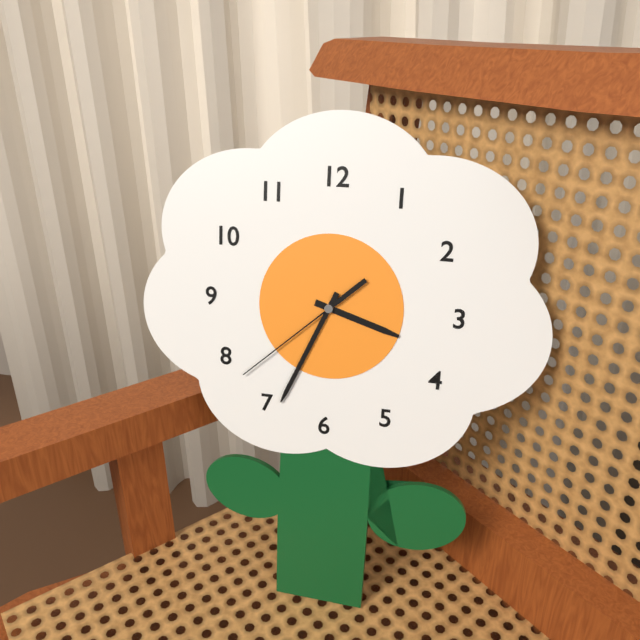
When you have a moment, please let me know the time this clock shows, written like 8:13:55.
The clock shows 3:34:38
